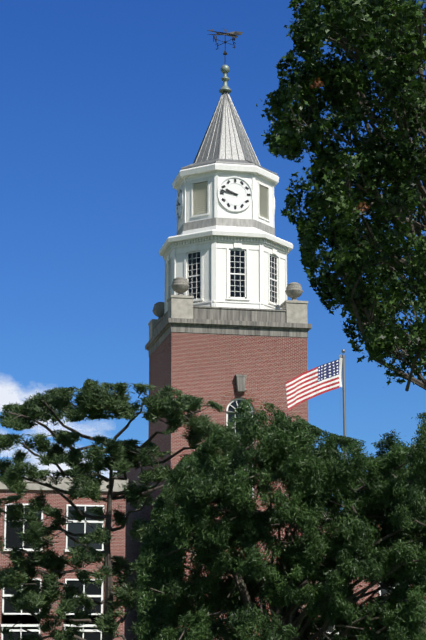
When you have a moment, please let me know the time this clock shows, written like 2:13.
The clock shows 9:47
